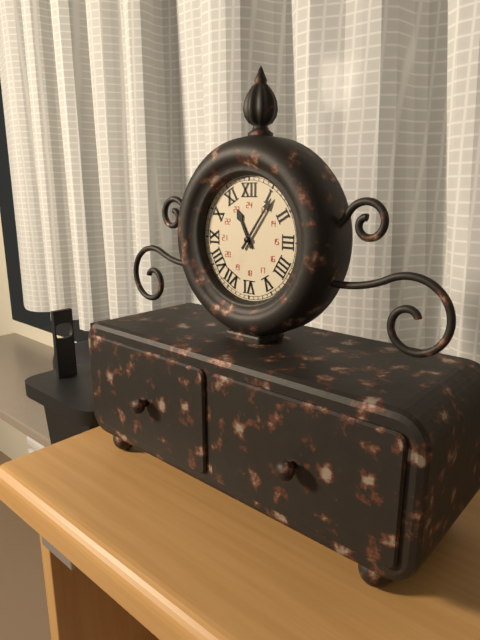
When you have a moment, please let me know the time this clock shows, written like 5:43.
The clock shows 11:06
